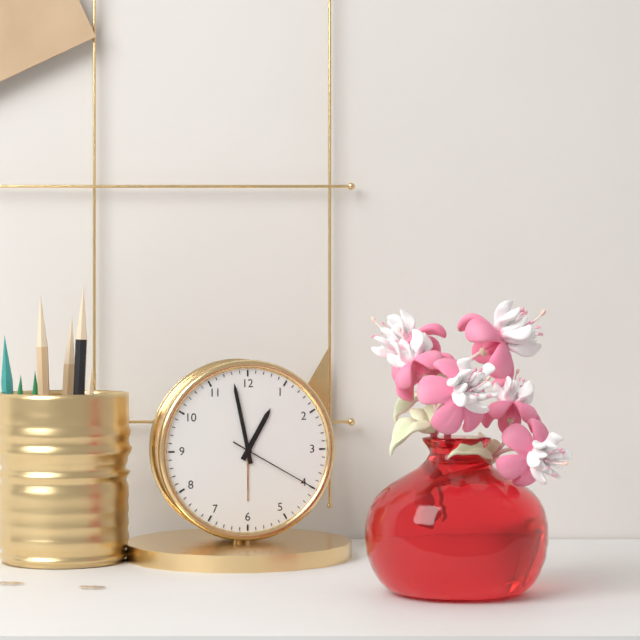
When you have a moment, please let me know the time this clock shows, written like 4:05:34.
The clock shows 12:58:20
